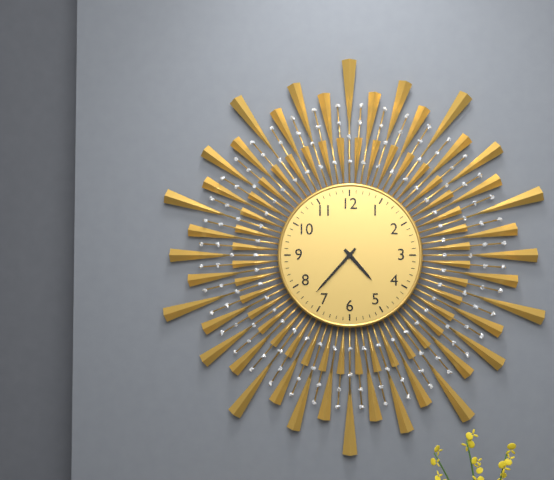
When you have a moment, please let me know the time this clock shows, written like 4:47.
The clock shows 4:37
